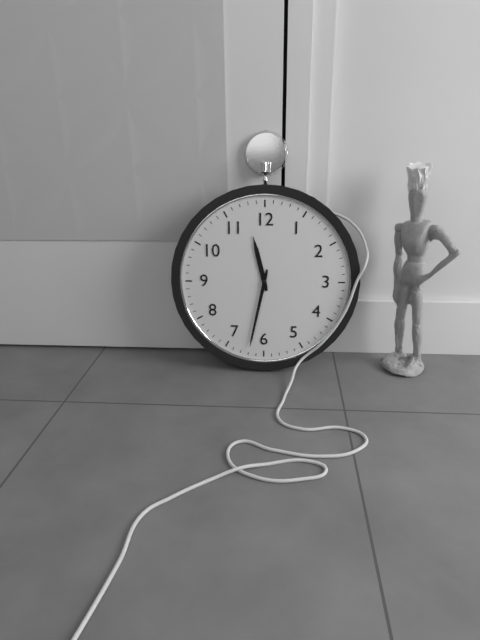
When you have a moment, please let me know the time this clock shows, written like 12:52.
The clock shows 11:32
